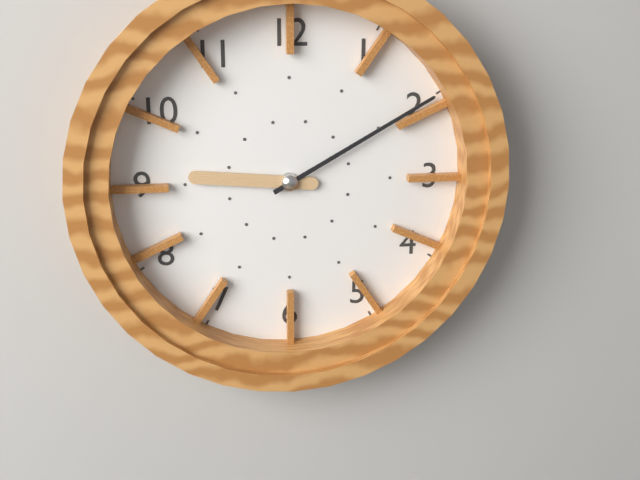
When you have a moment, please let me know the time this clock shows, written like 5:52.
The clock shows 9:10
